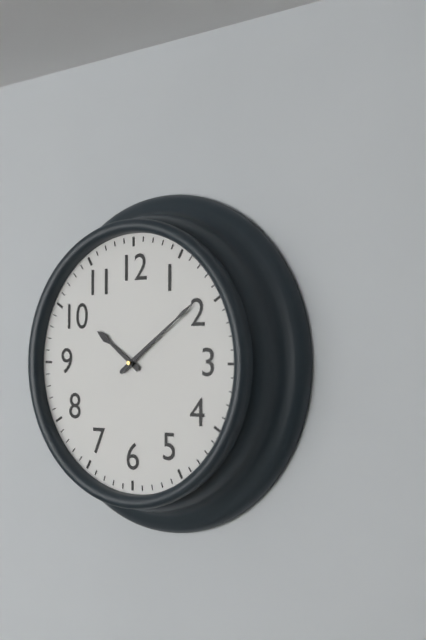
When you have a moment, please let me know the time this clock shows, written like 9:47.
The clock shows 10:09
